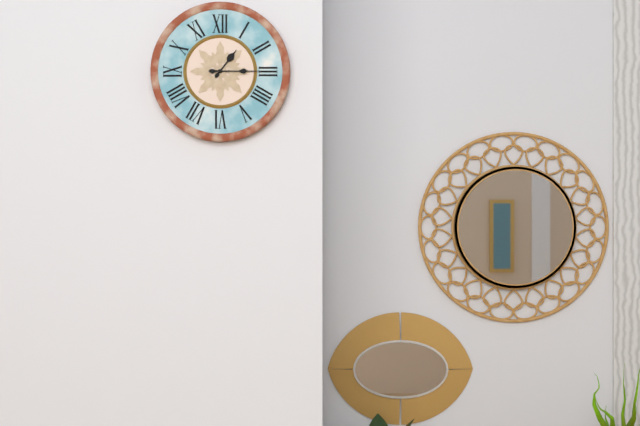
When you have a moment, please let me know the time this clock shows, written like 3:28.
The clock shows 1:15
